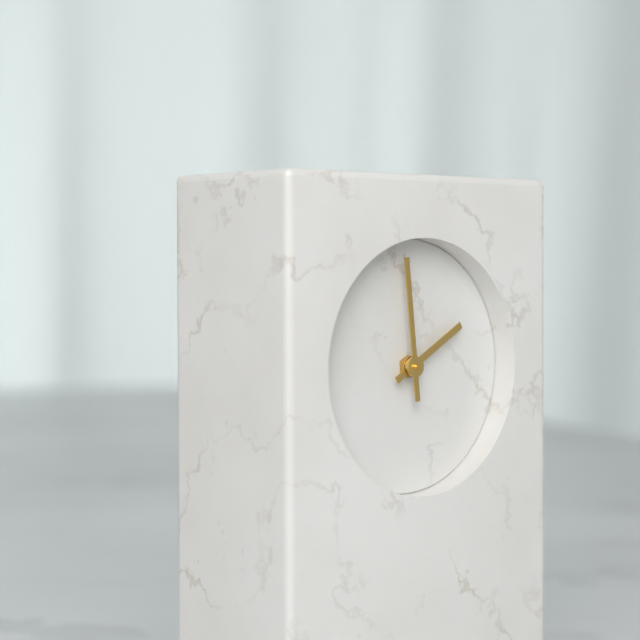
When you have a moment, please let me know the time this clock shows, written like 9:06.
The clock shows 1:59
